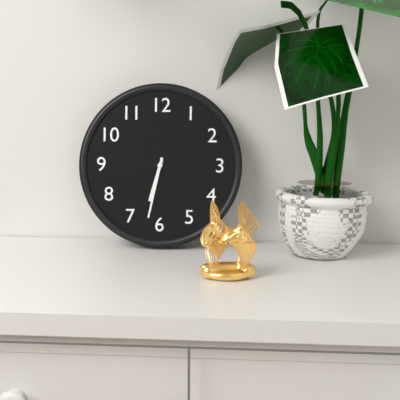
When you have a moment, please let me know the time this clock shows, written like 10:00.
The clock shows 6:32
